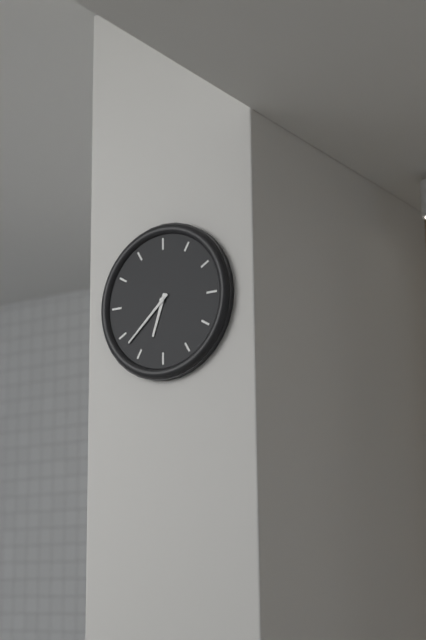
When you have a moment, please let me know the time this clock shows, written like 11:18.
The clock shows 6:38
